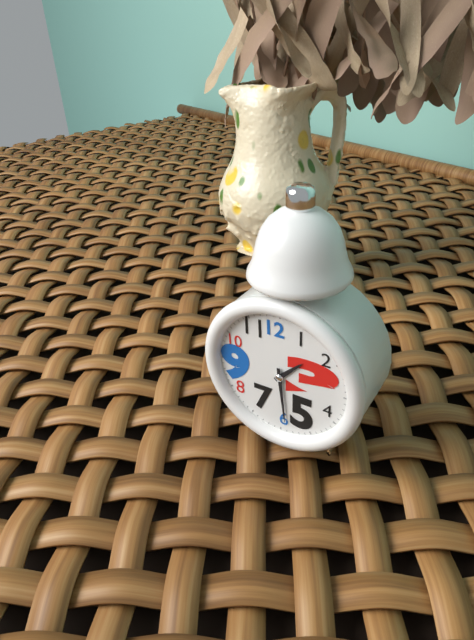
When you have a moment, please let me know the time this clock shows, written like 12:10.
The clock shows 1:29
